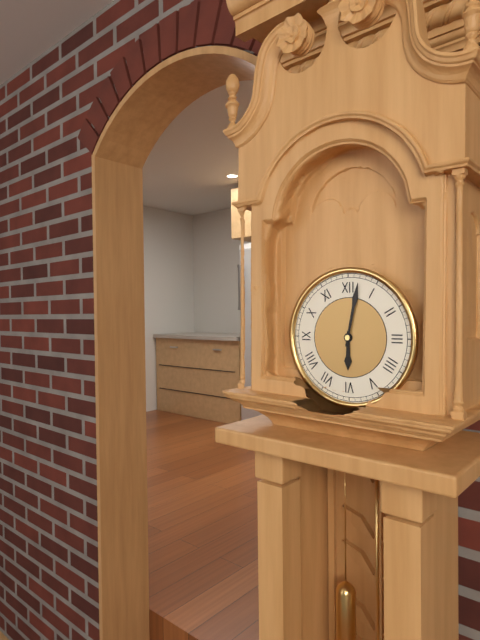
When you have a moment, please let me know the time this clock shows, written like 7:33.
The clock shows 6:02
